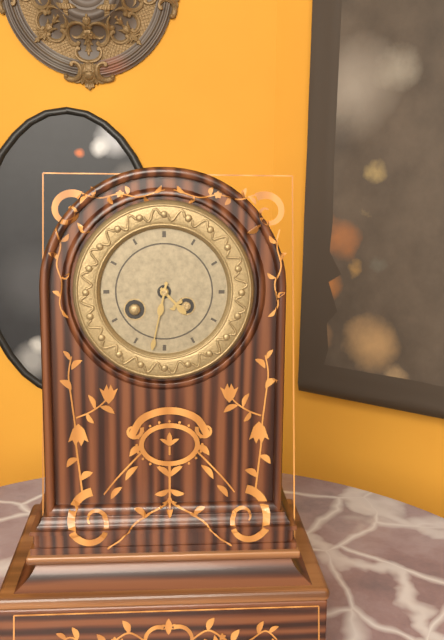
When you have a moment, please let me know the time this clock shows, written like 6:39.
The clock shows 4:32
